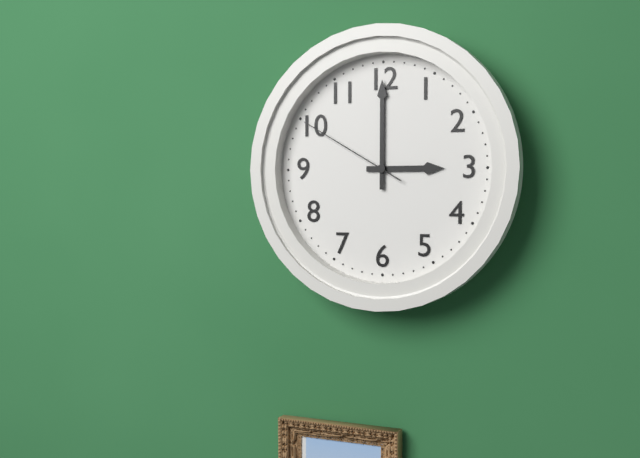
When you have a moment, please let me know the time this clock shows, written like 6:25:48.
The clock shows 3:00:50
